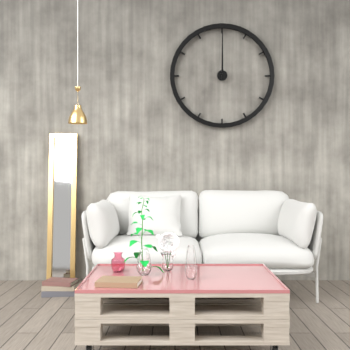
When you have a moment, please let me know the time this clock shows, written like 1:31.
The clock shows 12:00
